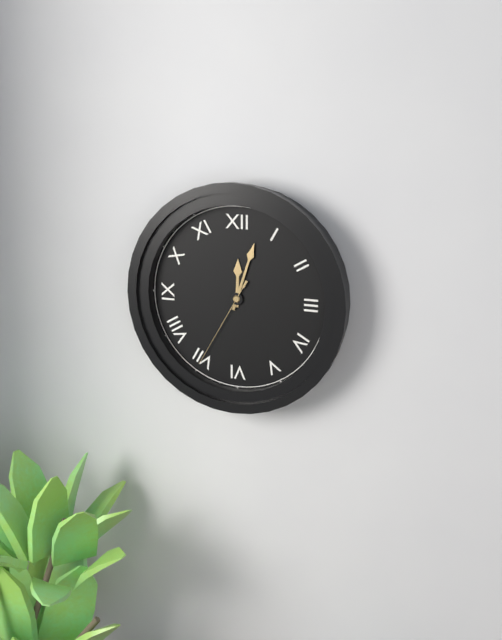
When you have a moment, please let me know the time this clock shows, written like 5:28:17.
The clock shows 12:03:35
